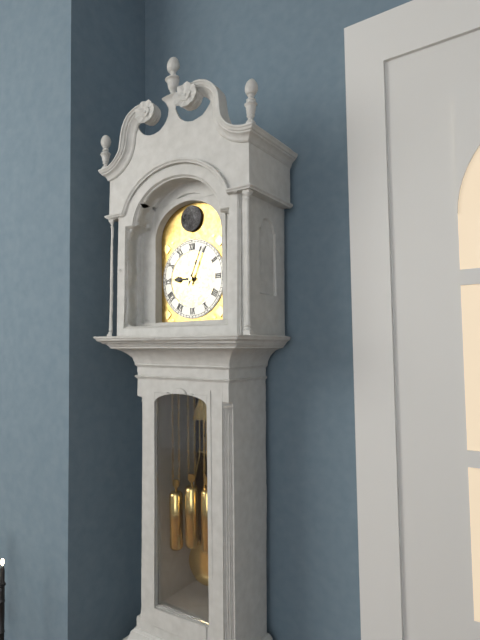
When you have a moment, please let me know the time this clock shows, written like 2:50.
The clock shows 9:04
